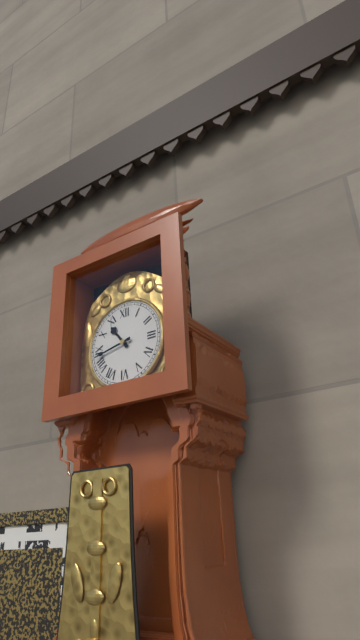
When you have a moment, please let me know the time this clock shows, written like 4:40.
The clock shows 10:43
